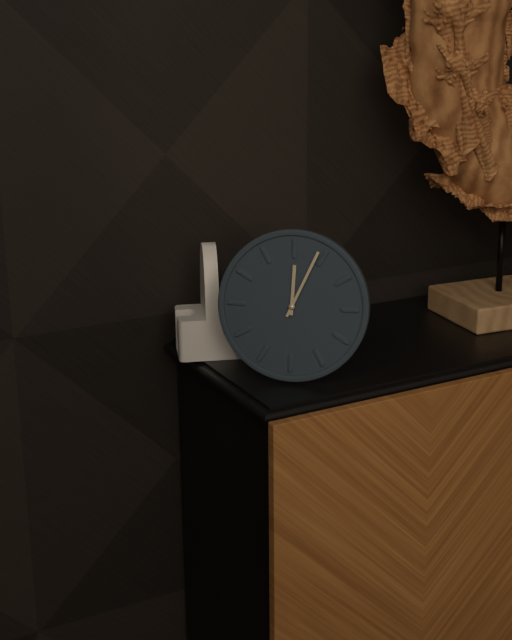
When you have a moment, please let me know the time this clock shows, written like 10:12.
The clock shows 12:04
